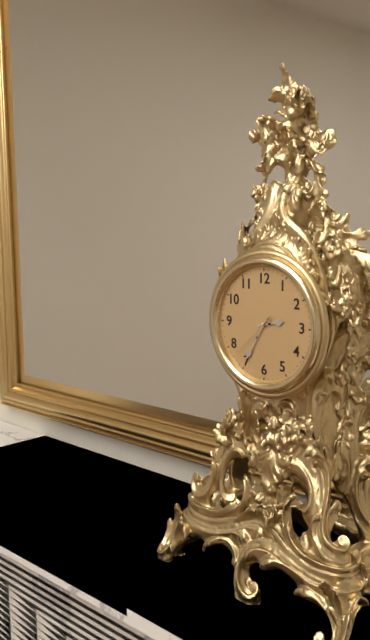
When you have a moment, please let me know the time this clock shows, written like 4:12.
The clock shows 2:35
